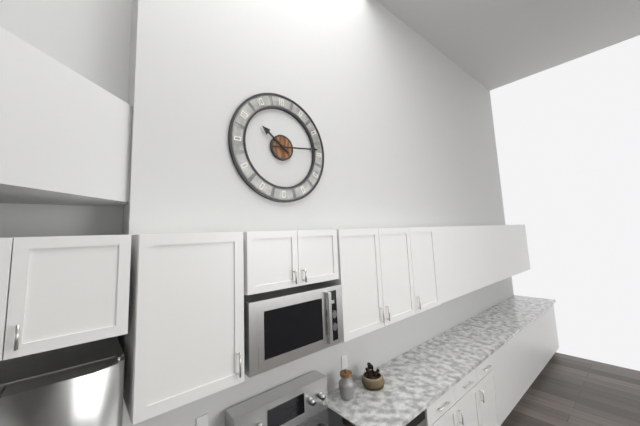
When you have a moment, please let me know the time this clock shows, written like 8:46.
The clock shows 10:14
